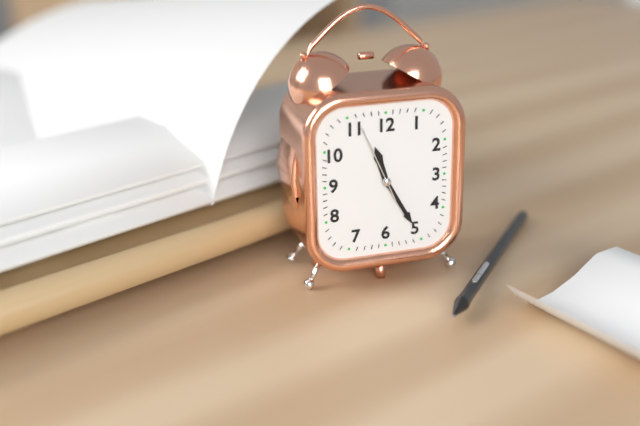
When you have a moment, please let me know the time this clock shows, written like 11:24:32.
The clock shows 11:25:56
